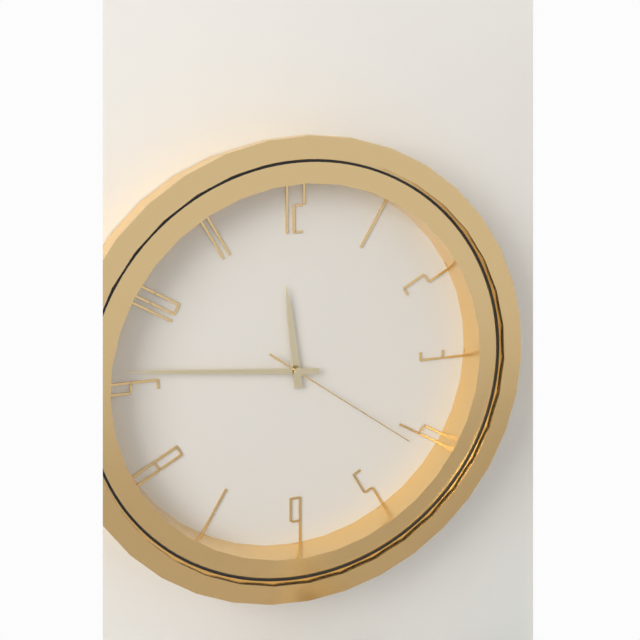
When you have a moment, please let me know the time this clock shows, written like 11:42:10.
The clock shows 11:46:21
